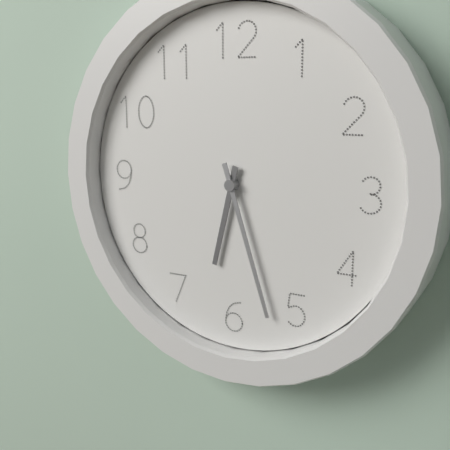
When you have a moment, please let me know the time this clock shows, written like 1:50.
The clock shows 6:27
